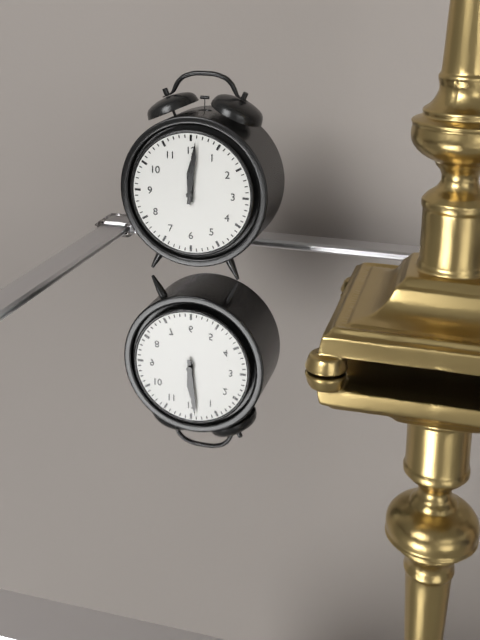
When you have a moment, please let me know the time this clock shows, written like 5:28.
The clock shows 12:01
